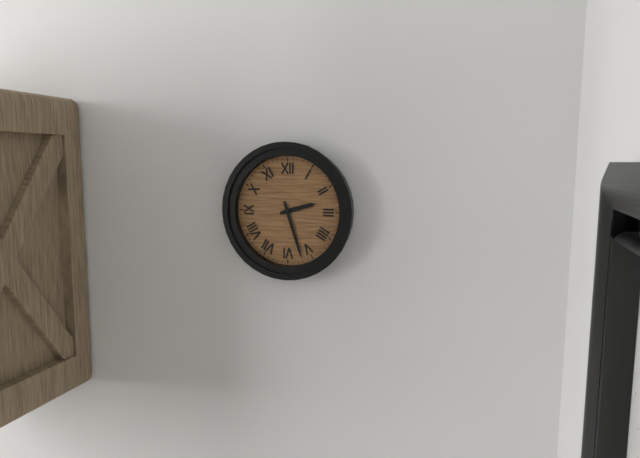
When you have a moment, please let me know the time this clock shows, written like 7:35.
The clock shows 2:27
